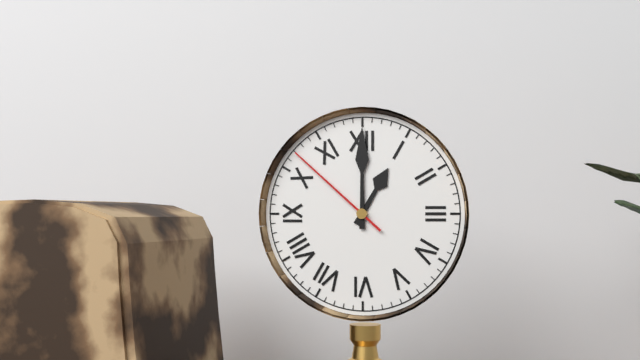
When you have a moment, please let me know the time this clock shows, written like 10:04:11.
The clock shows 1:00:52
